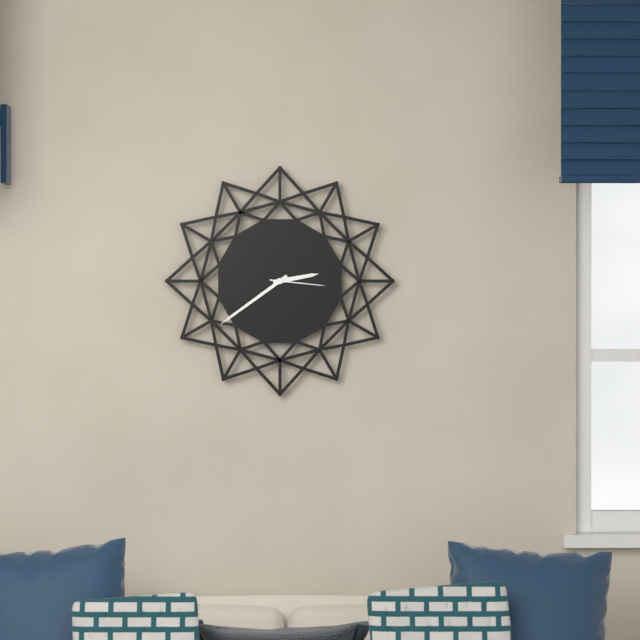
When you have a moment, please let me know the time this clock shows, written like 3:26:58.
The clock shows 2:39:16
